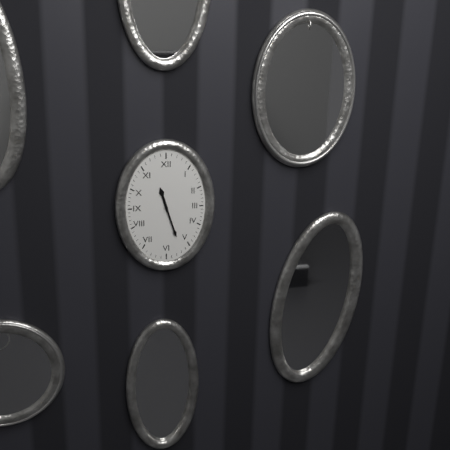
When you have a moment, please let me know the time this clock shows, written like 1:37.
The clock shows 11:27
